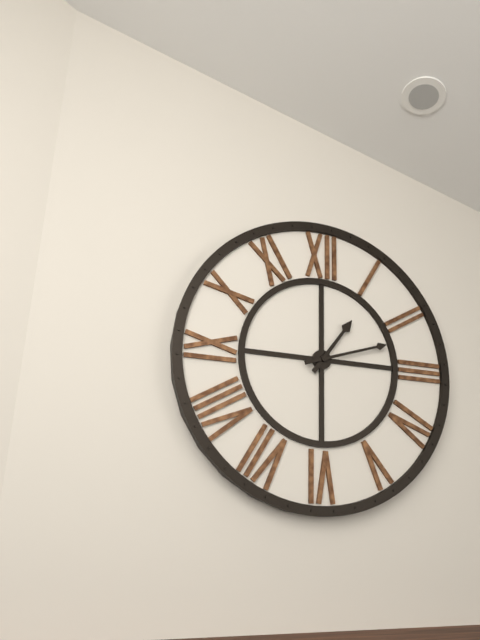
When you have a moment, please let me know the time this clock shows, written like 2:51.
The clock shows 1:12
